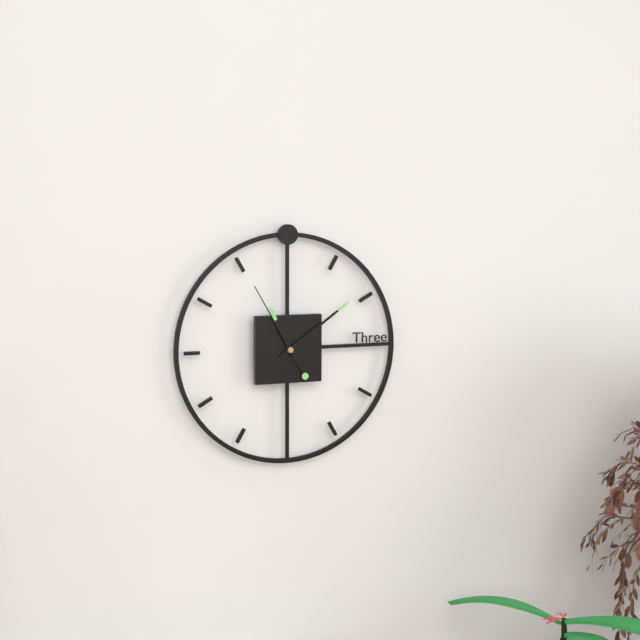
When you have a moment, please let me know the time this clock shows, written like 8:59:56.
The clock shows 11:09:55
